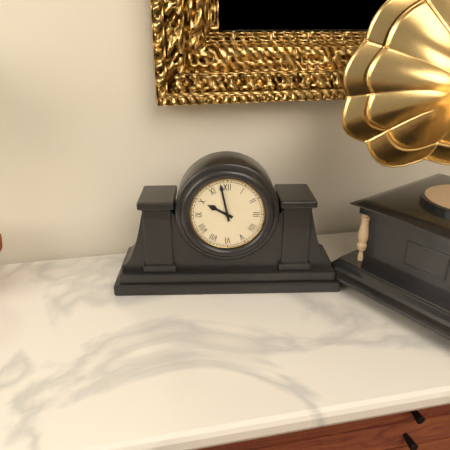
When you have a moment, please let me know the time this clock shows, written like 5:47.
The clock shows 9:58
